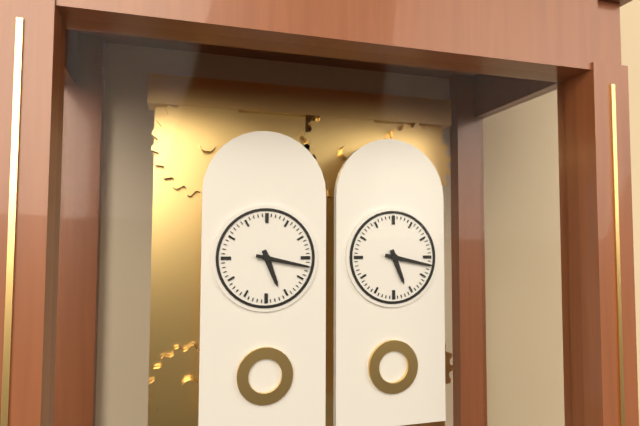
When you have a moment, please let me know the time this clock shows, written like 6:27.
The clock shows 5:17
